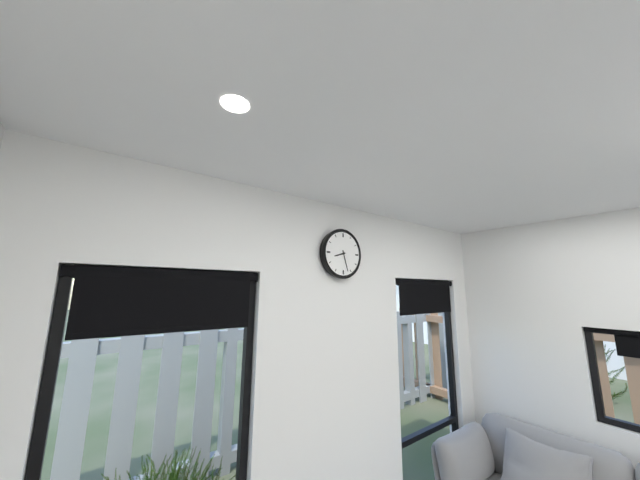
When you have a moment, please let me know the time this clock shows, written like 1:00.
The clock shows 8:27
